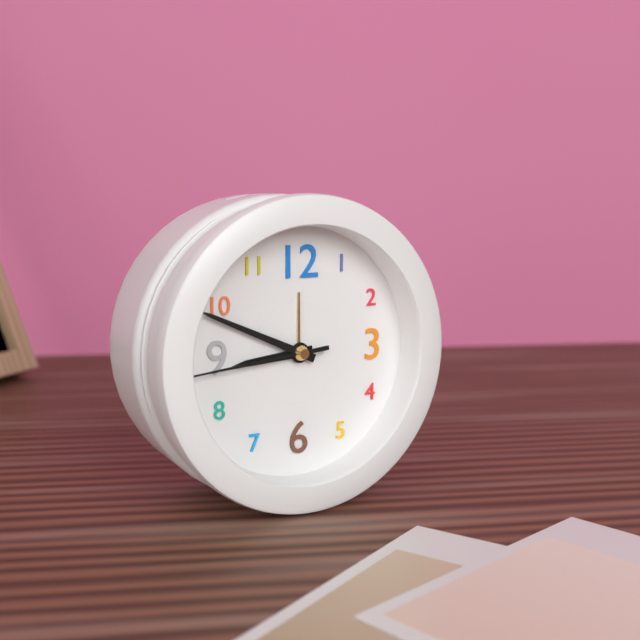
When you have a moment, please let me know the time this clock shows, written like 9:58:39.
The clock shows 8:49:44
